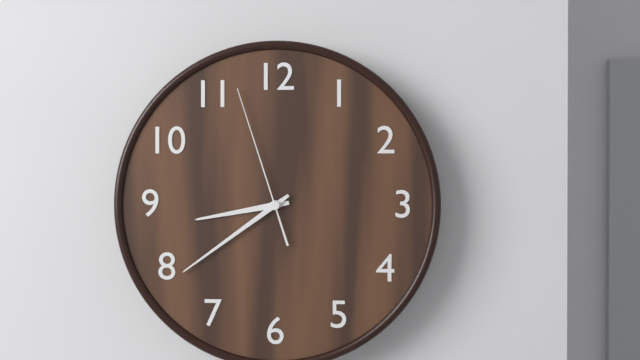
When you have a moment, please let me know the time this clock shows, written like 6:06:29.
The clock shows 8:39:57
